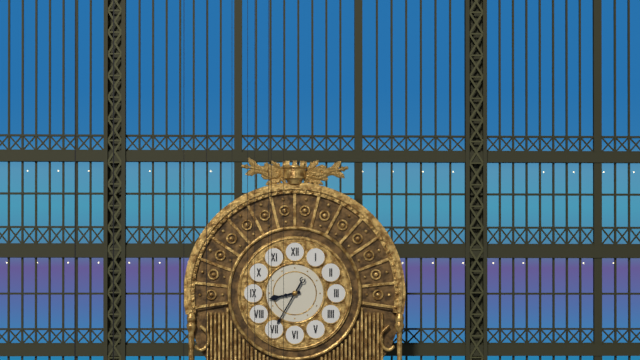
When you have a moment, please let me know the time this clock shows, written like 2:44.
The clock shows 8:35
